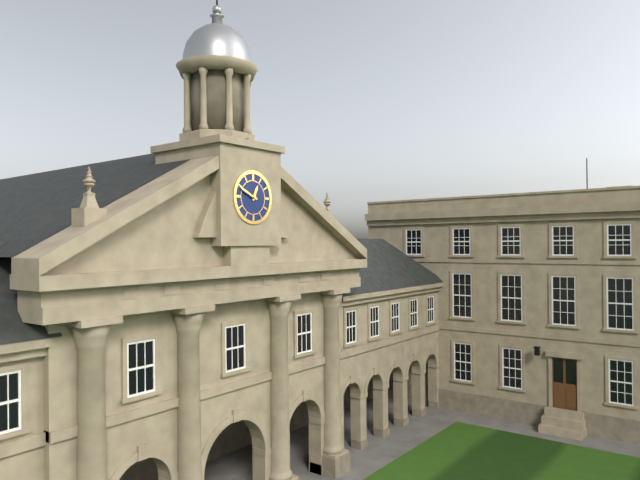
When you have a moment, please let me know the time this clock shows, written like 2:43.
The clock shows 12:49
